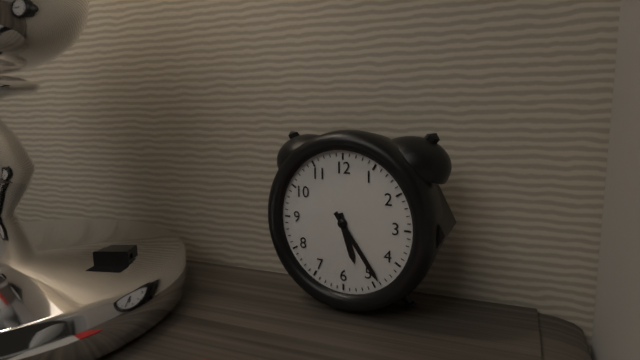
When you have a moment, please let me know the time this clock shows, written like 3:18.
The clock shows 5:24
